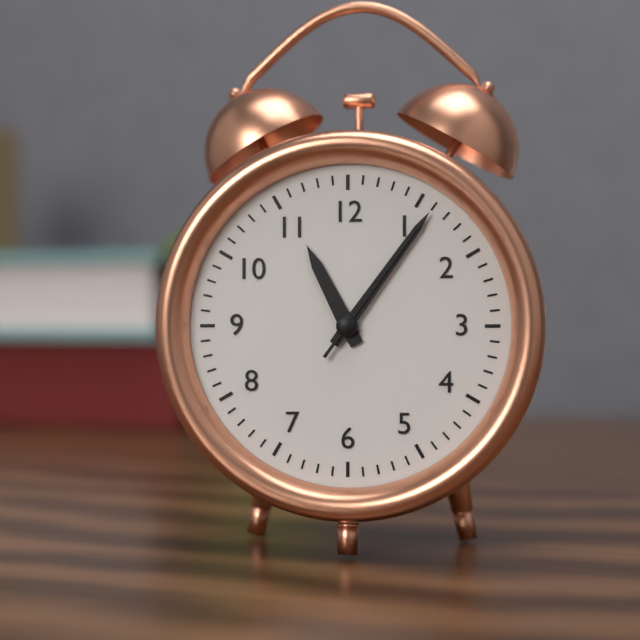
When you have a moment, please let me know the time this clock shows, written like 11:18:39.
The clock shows 11:06:06
